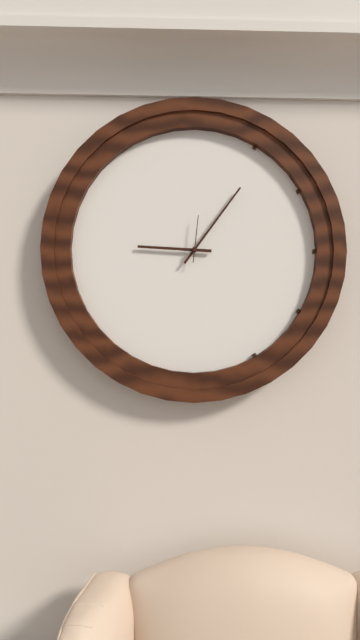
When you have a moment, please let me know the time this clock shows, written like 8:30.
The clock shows 9:06
